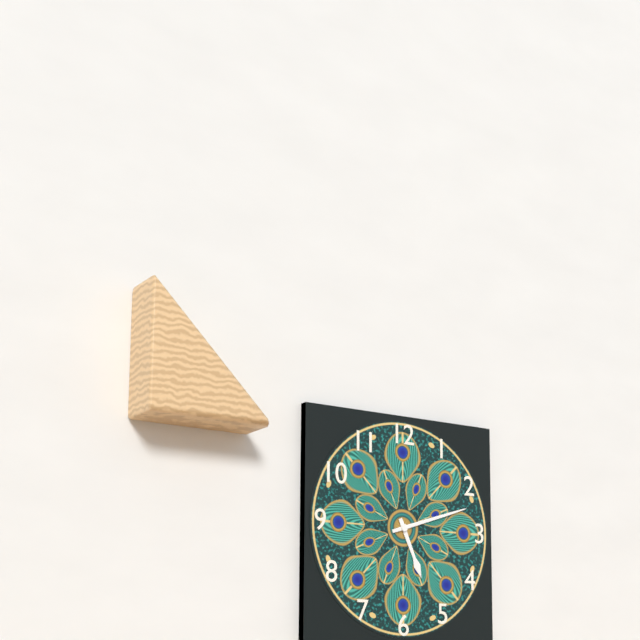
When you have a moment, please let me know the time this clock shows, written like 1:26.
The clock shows 5:12
